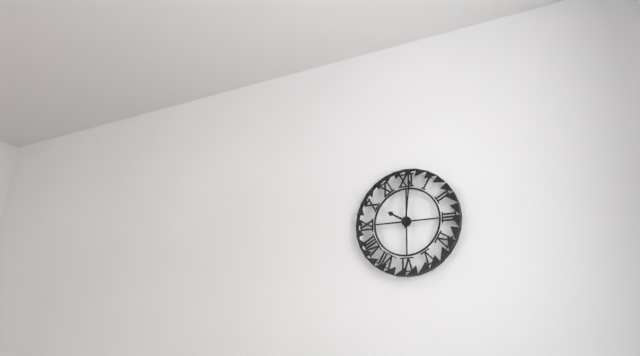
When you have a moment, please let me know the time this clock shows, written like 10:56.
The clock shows 10:01
